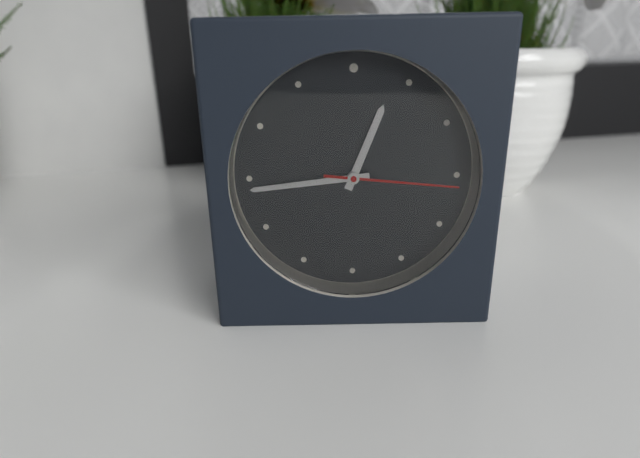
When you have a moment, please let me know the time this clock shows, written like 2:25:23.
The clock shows 12:44:16
